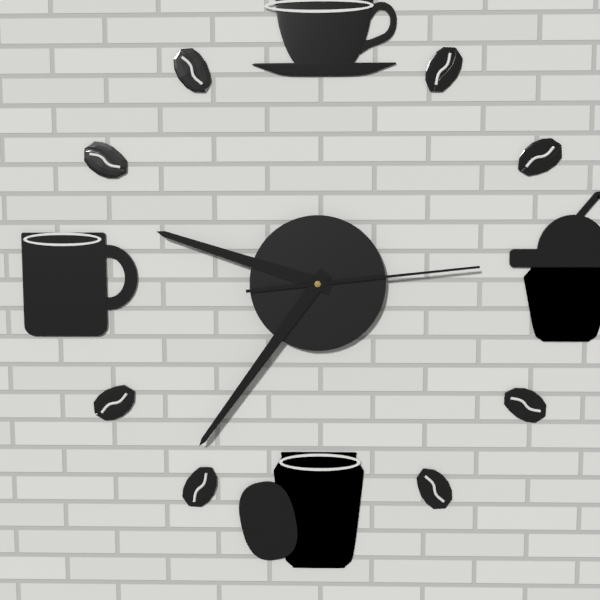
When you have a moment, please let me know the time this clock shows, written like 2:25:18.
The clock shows 9:36:14
